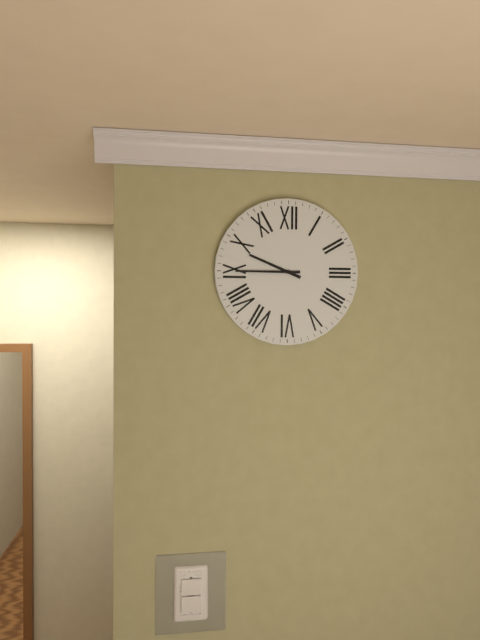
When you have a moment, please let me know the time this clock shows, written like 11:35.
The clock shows 9:45
